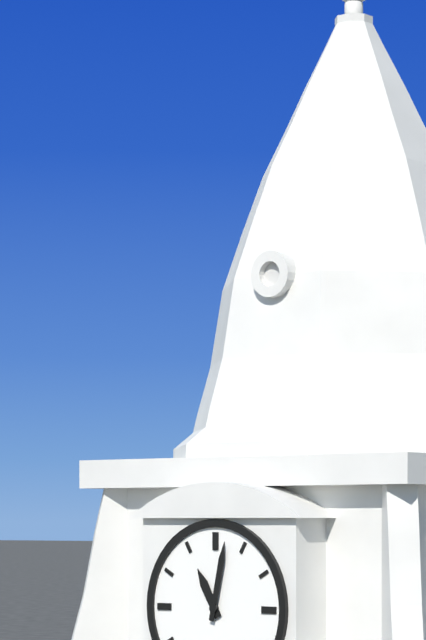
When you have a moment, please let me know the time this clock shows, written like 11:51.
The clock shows 11:02
